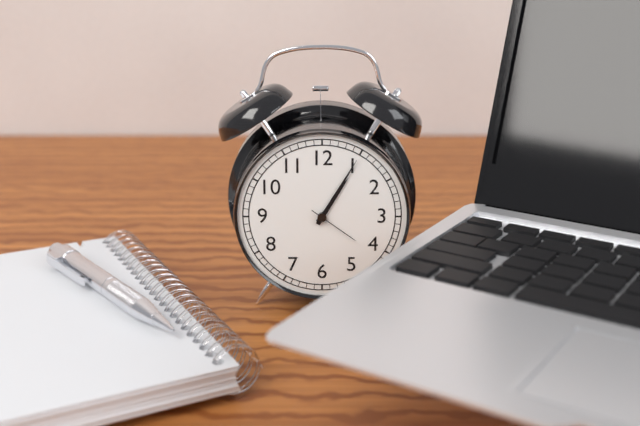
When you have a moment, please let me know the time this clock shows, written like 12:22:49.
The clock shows 1:05:21
